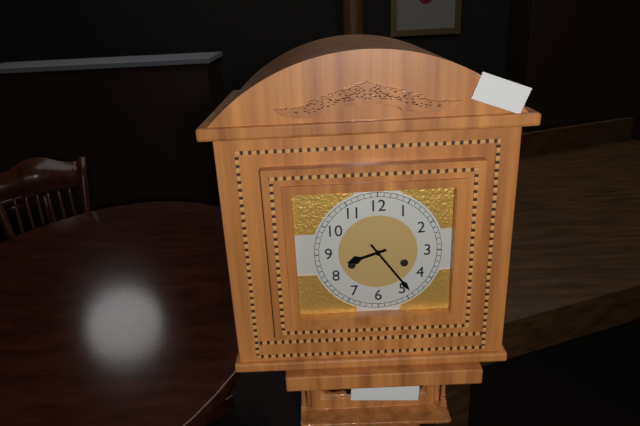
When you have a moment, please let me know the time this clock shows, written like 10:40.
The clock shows 8:24
